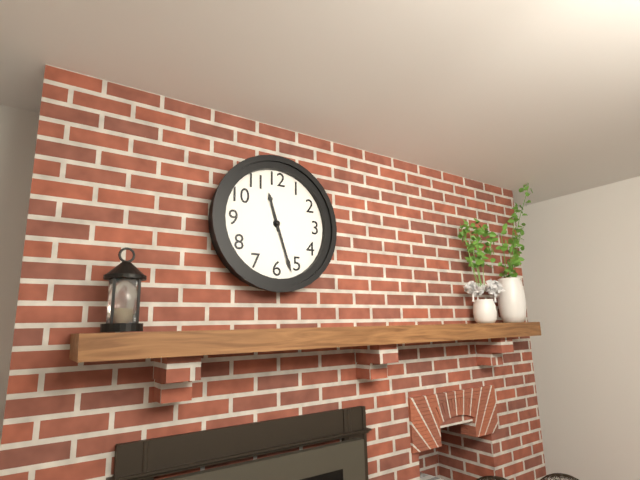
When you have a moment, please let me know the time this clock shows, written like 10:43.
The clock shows 11:27
